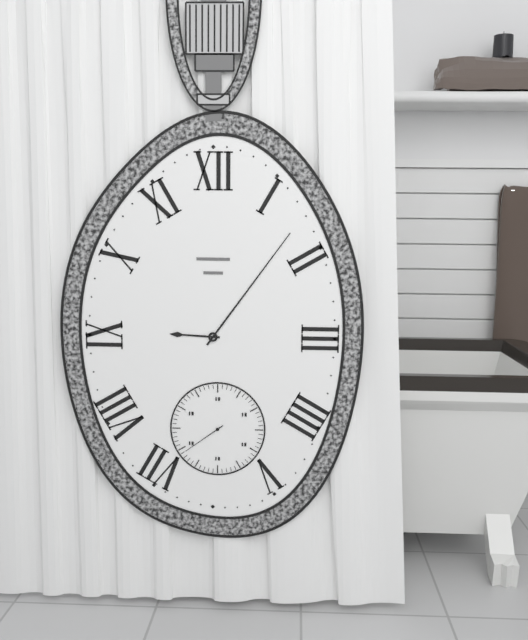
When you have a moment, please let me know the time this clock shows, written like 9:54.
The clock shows 9:06
